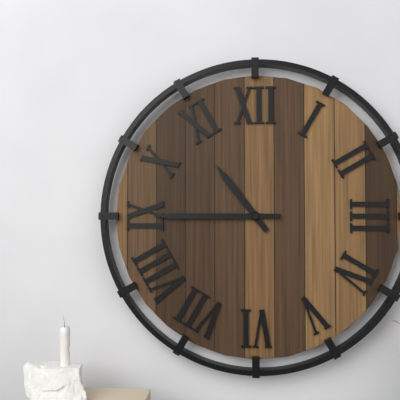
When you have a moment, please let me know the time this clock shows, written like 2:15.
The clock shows 10:45
